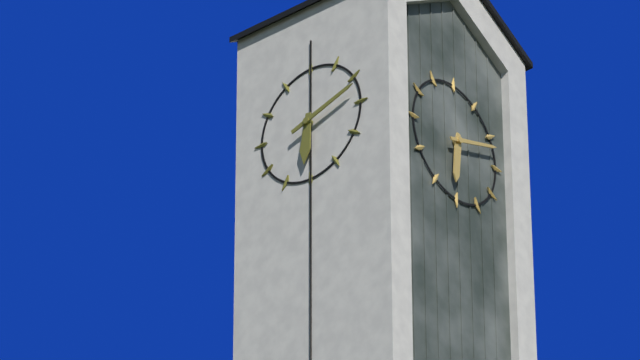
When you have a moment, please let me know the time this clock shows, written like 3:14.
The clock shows 6:12
